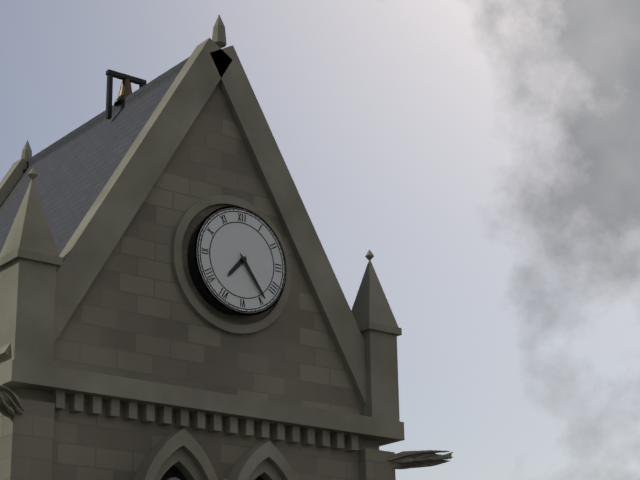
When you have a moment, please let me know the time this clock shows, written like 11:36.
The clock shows 7:24
